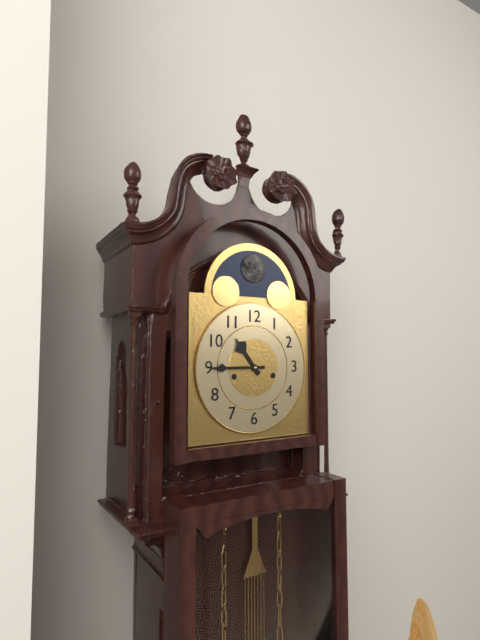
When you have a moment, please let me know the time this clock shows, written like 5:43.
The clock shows 10:45
